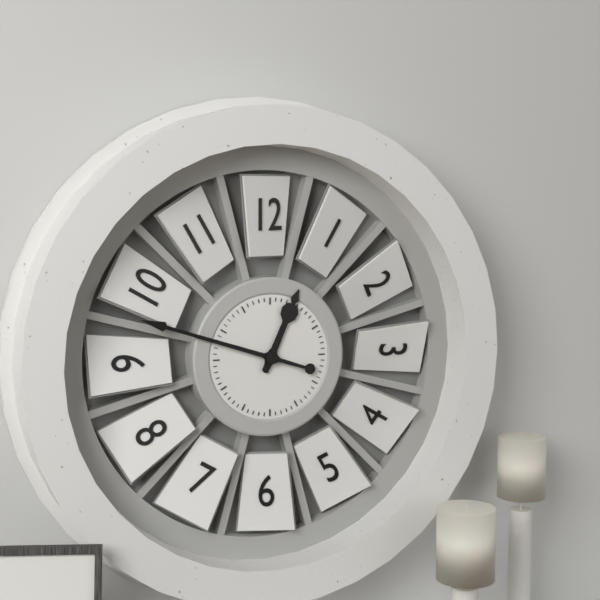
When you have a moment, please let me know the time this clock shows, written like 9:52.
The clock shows 12:48
